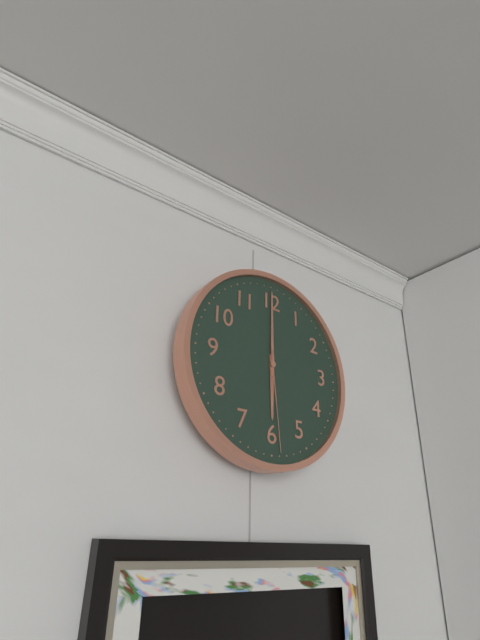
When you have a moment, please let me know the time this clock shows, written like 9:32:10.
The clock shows 6:00:29
